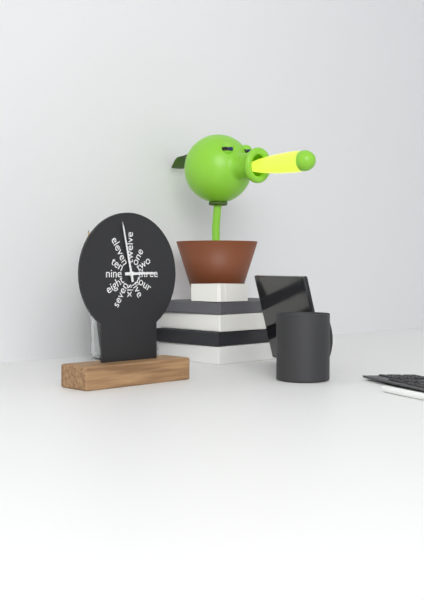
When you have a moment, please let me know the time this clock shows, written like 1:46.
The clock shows 2:58
